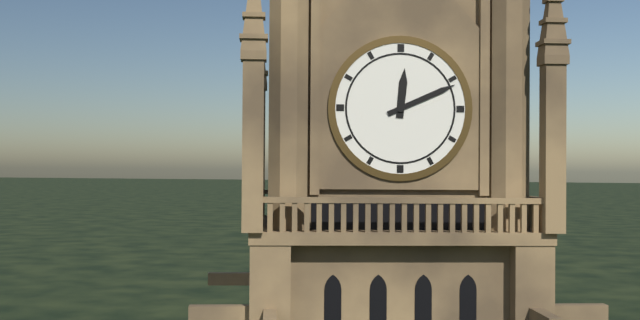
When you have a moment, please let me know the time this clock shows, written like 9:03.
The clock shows 12:11
